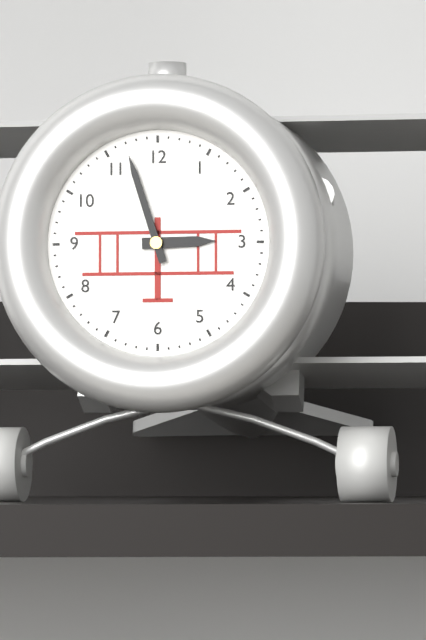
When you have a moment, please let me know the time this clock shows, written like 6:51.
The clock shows 2:57
